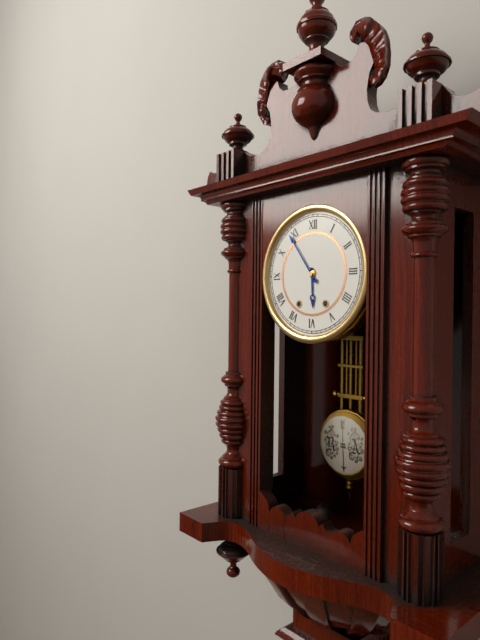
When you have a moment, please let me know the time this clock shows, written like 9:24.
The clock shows 5:54
